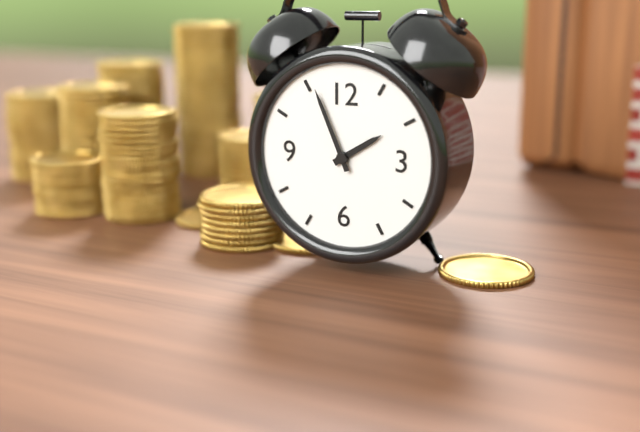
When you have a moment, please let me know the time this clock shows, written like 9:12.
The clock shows 1:56
